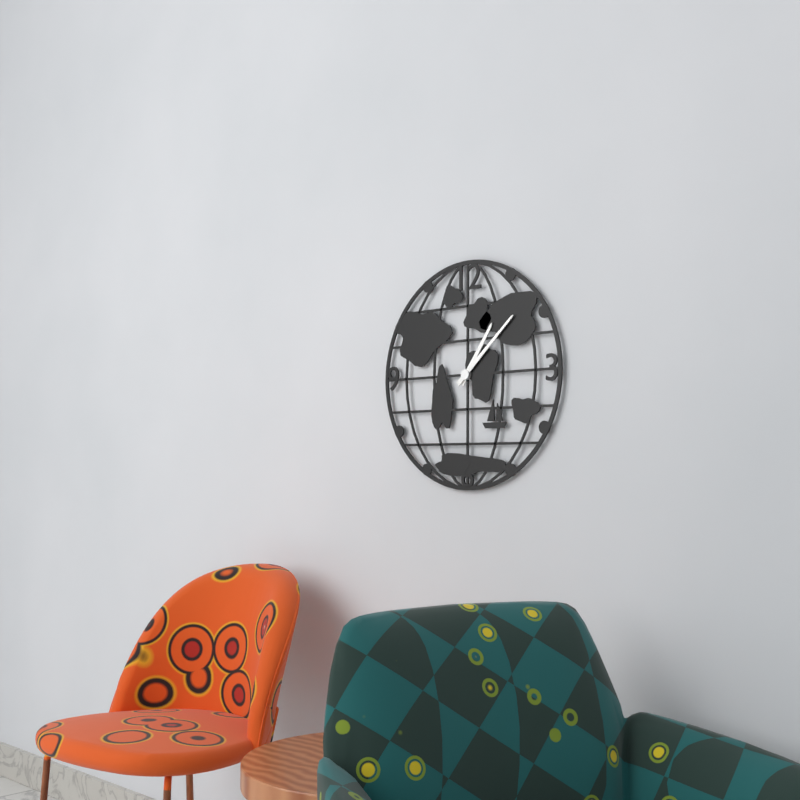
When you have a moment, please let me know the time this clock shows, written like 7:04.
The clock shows 1:08
